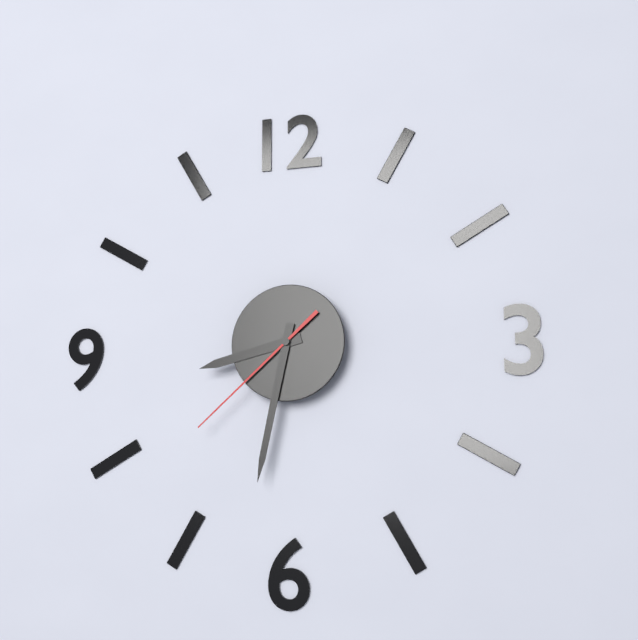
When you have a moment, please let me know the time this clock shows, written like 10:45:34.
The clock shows 8:32:38
